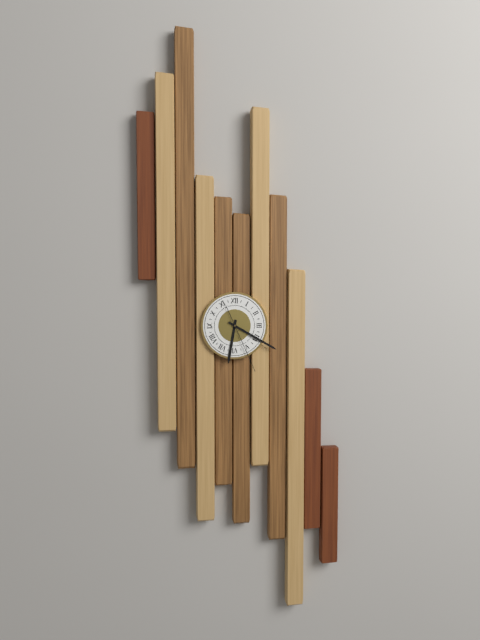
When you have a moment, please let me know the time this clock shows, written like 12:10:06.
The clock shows 6:20:26
